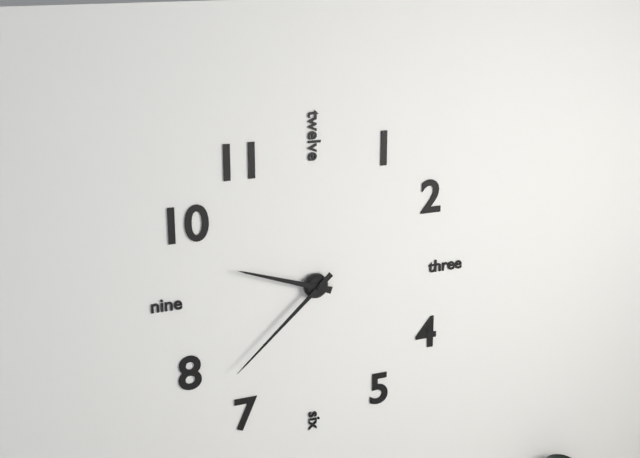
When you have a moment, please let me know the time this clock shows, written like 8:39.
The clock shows 9:38
